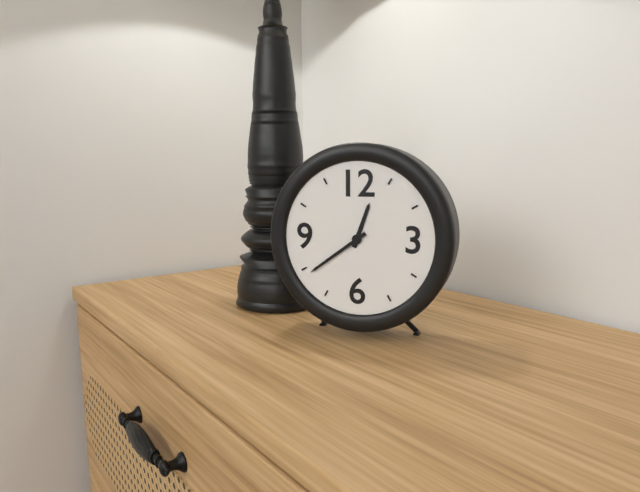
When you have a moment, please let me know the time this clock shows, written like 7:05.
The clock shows 12:39
